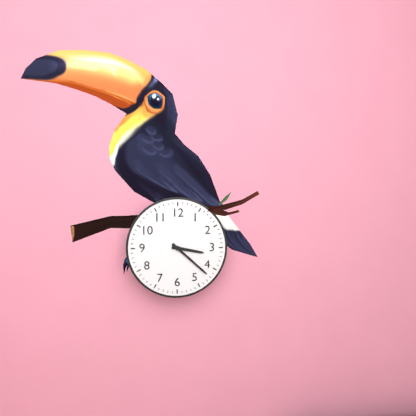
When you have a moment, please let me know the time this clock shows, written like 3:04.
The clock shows 3:22
